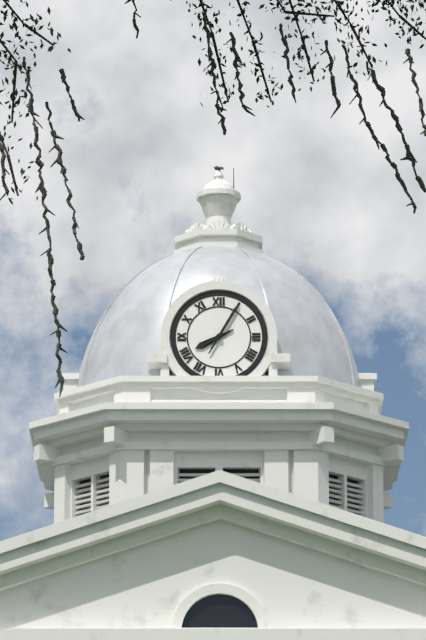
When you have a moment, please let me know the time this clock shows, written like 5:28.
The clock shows 8:05
